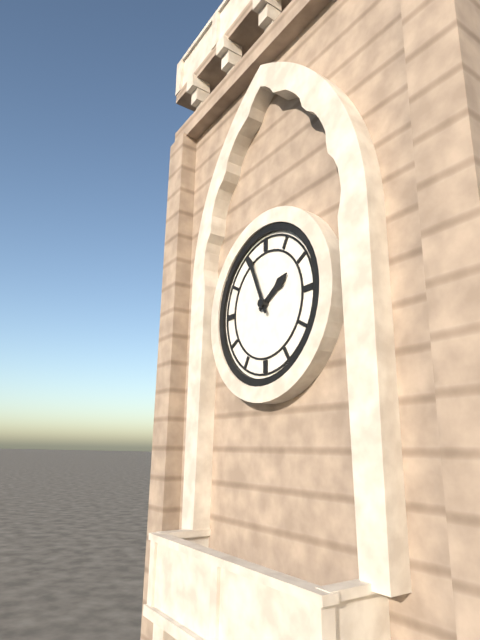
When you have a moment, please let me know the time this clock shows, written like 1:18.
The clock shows 1:56
